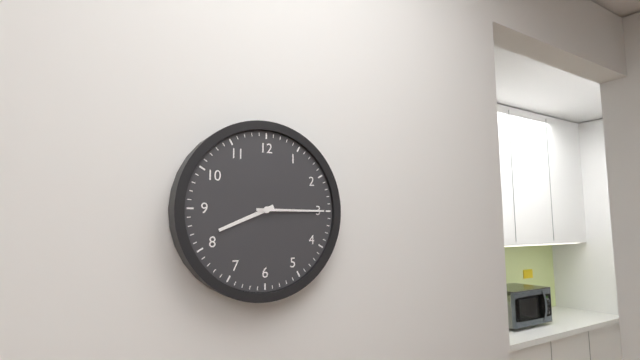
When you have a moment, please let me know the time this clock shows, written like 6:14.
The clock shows 8:15
